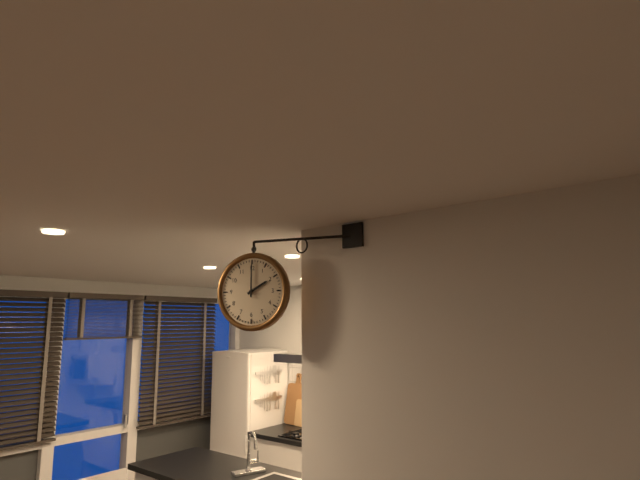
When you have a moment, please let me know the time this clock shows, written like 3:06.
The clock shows 2:00
